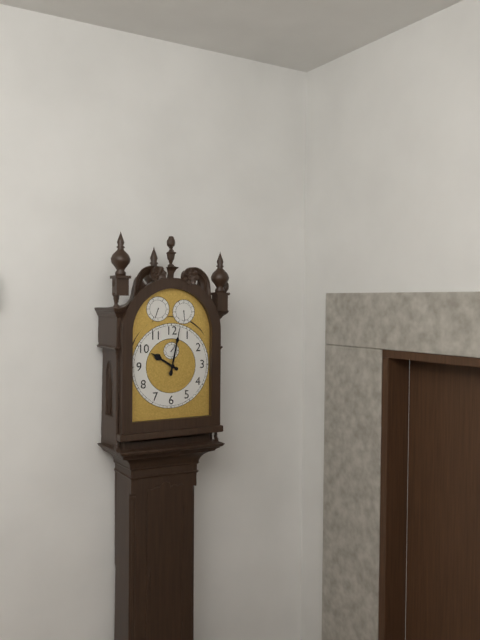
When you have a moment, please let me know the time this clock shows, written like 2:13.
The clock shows 10:02
